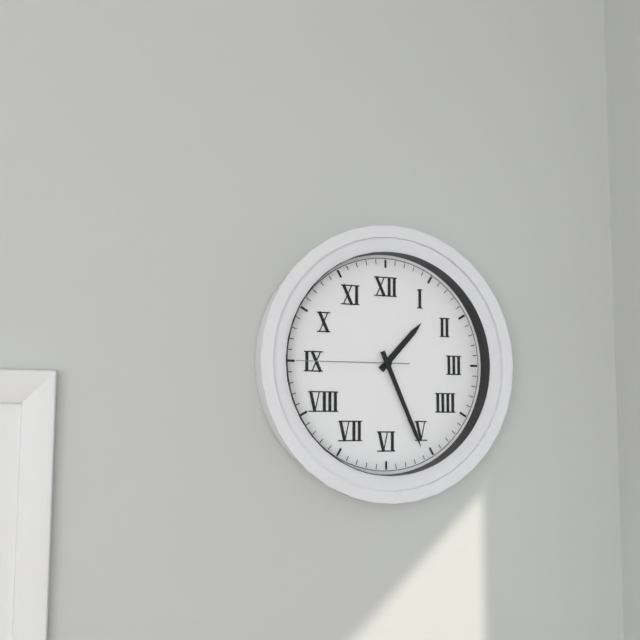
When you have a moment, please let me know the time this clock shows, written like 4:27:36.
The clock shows 1:26:45
